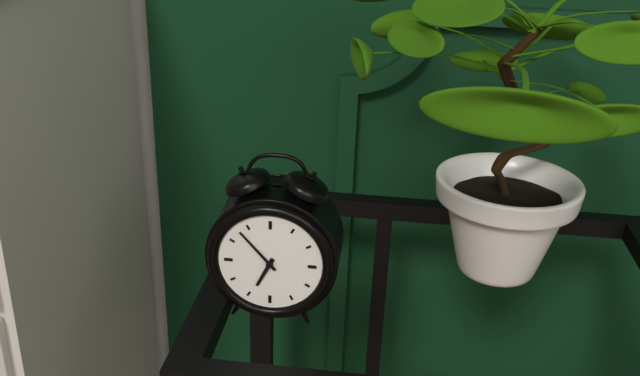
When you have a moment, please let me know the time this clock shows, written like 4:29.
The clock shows 6:53
